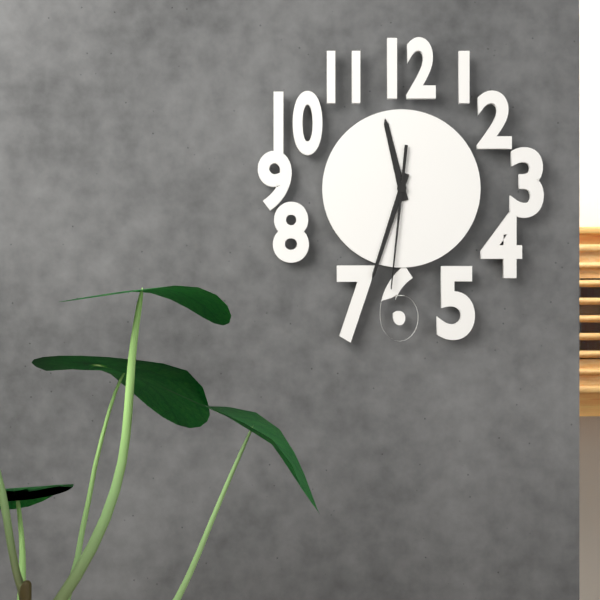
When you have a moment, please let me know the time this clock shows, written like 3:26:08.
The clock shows 11:33:31
